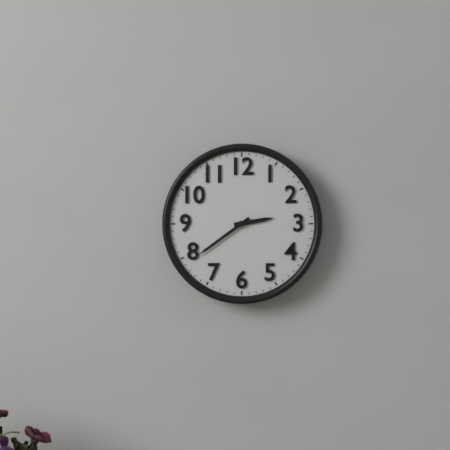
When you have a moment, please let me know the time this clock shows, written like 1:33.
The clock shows 2:39
